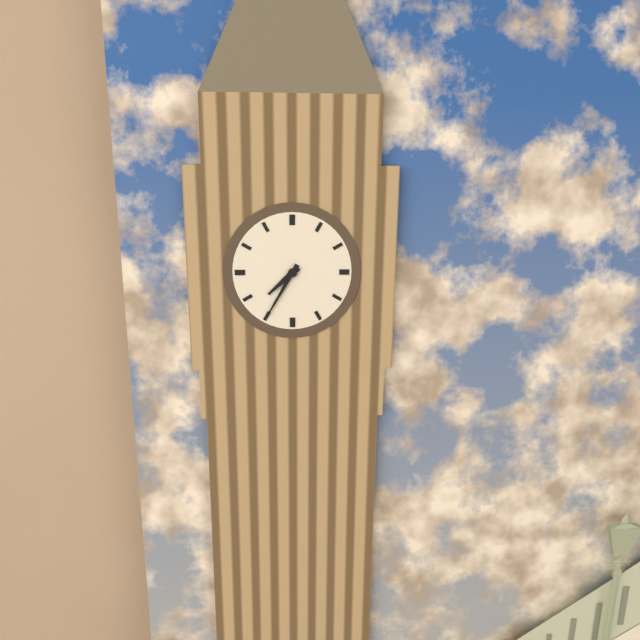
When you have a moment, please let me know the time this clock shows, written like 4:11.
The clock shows 7:35
